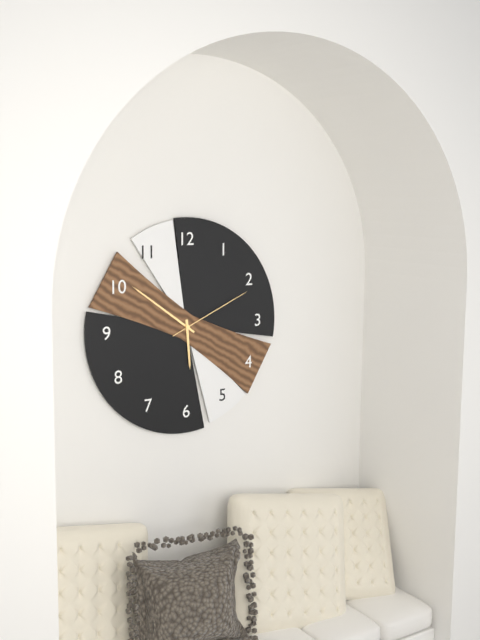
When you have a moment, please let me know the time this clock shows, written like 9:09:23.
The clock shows 5:51:11
